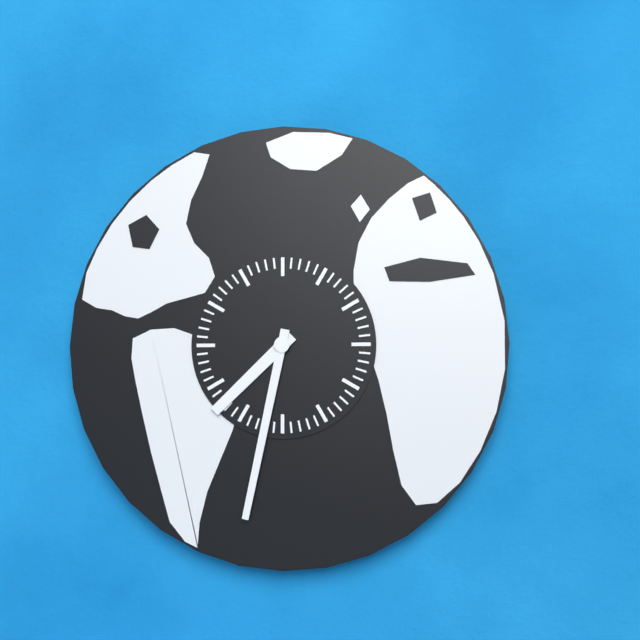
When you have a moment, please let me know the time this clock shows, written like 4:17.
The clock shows 7:32
